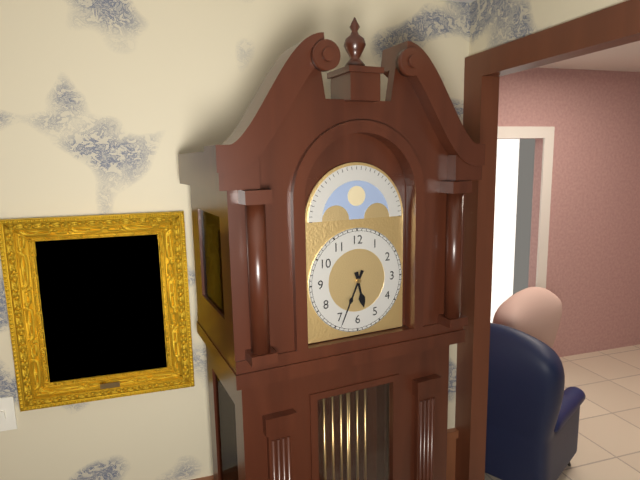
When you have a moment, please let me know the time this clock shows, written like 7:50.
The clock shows 5:34
